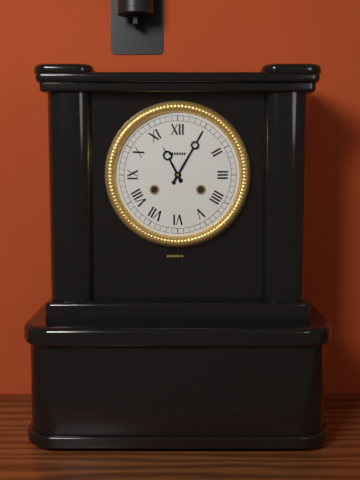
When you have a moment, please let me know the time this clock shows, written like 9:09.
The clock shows 11:05
